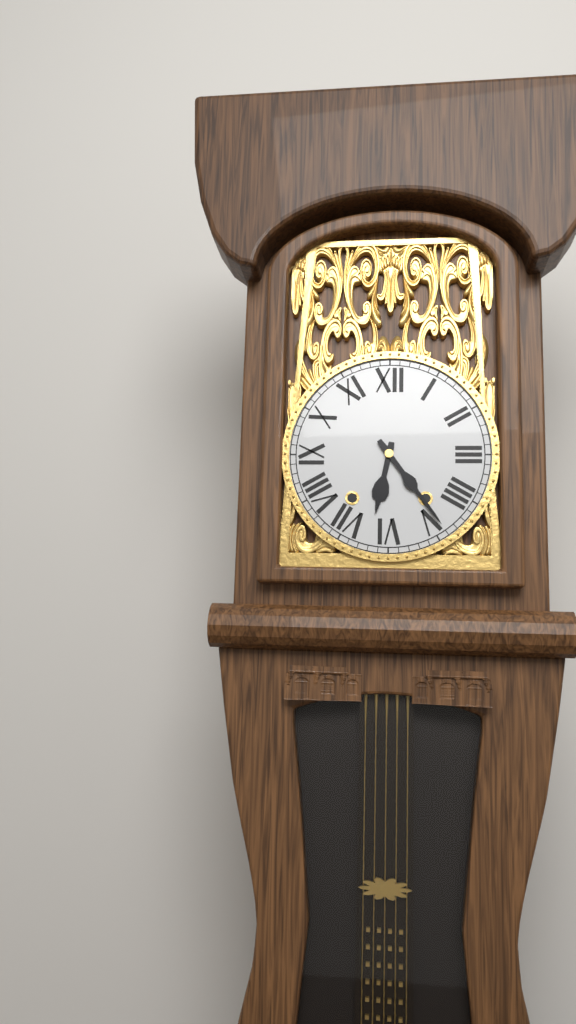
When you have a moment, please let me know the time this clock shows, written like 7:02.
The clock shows 6:24
